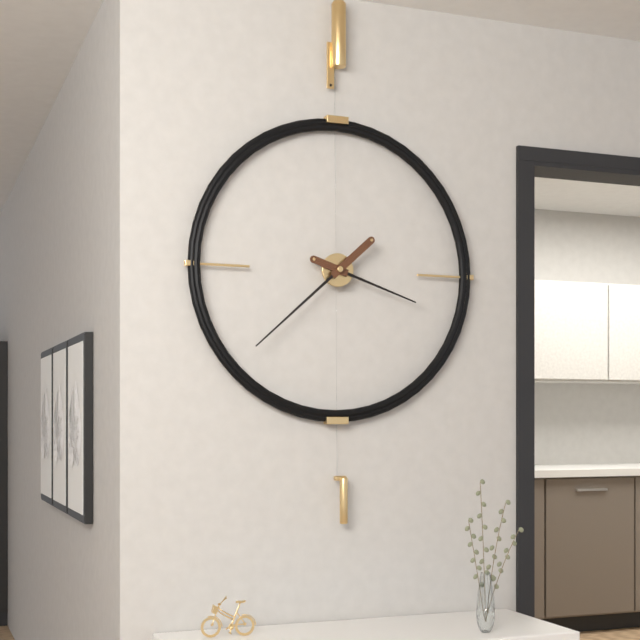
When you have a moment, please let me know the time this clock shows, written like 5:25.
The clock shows 3:38
